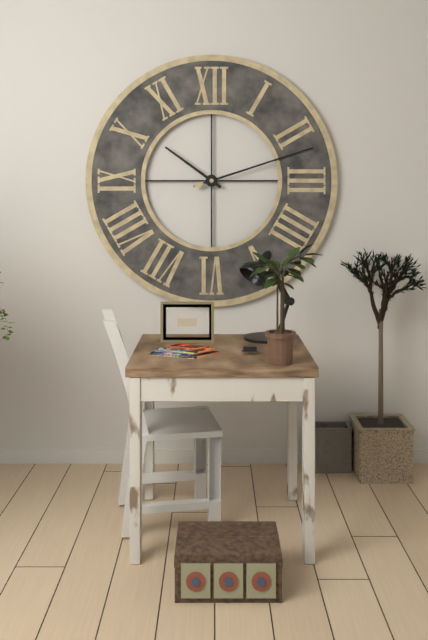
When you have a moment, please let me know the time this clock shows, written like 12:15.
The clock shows 10:12
